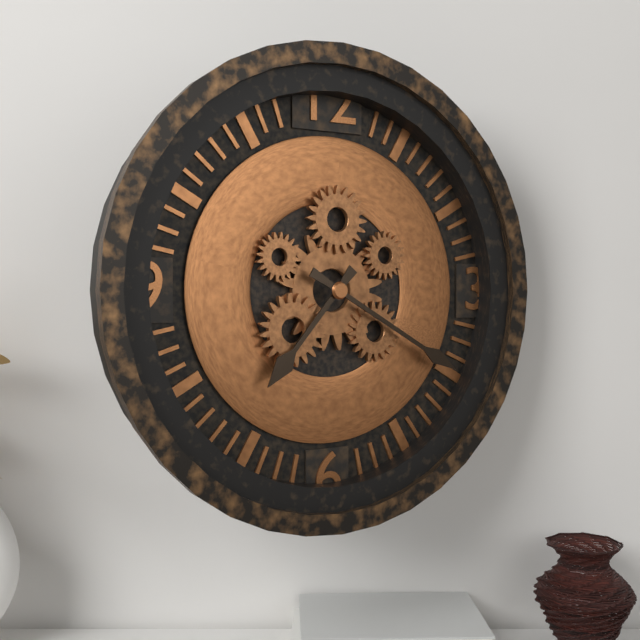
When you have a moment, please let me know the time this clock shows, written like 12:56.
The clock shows 7:20
